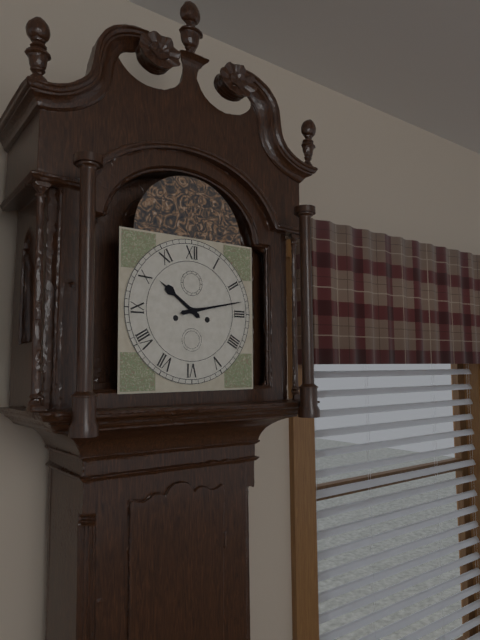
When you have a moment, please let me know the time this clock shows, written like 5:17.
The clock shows 10:13
